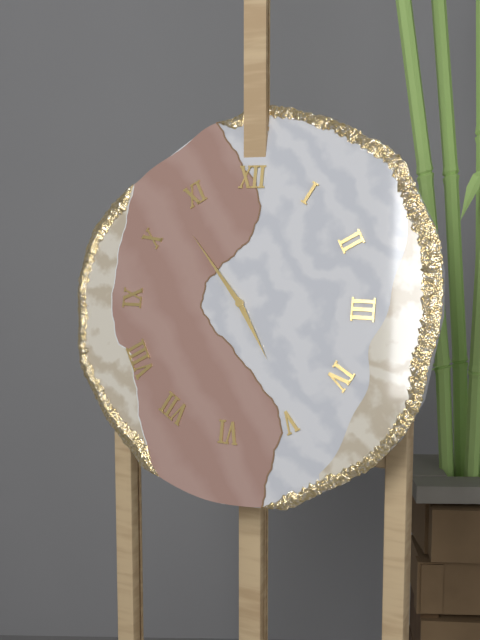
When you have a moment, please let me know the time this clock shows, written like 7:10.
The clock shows 4:53
